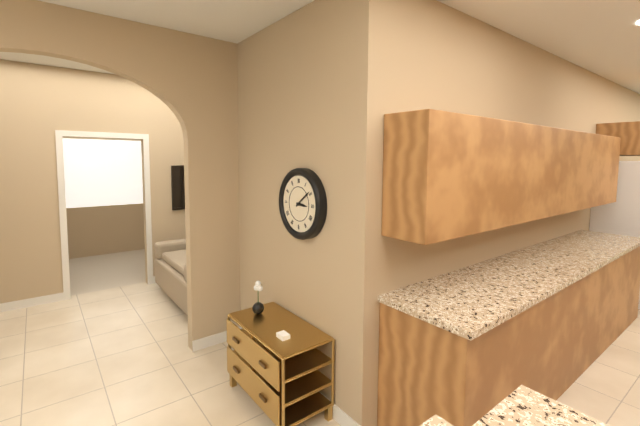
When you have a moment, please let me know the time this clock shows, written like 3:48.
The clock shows 3:09
